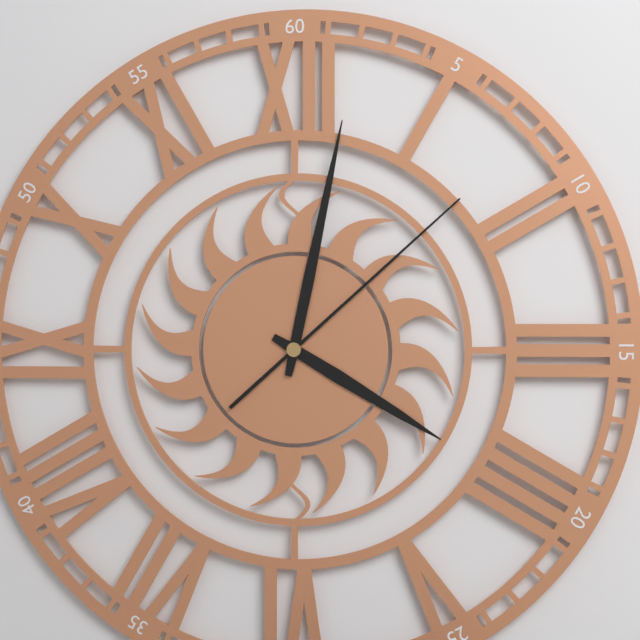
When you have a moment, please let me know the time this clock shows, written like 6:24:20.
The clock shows 4:02:08
